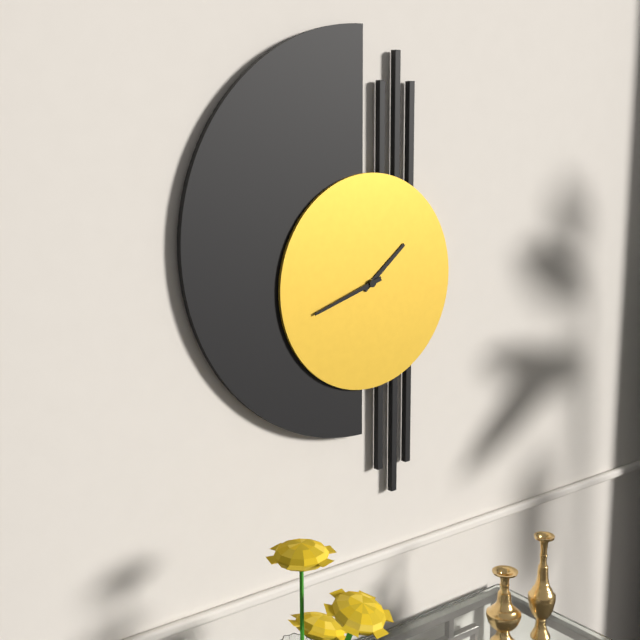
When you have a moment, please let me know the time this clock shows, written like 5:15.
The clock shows 1:42
